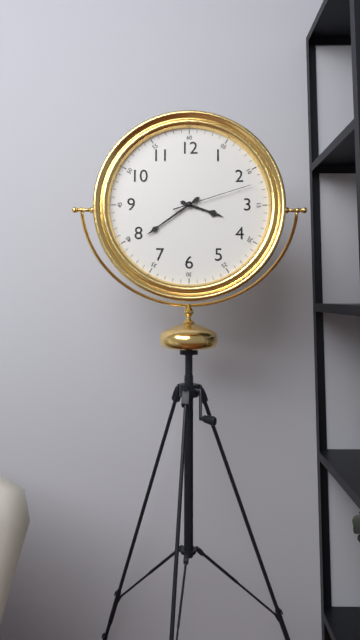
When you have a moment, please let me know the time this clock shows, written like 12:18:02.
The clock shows 3:39:12
